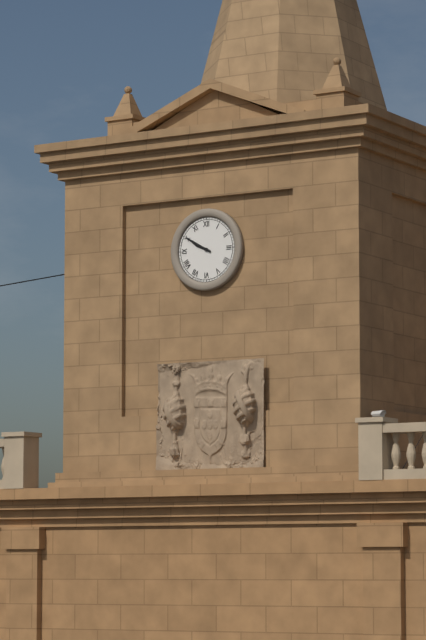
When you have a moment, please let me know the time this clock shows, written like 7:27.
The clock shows 9:50
